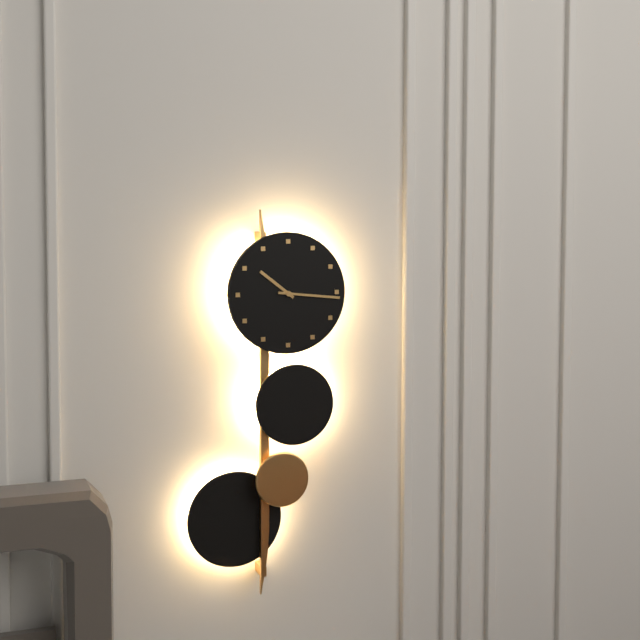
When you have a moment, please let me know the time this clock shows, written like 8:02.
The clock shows 10:16
